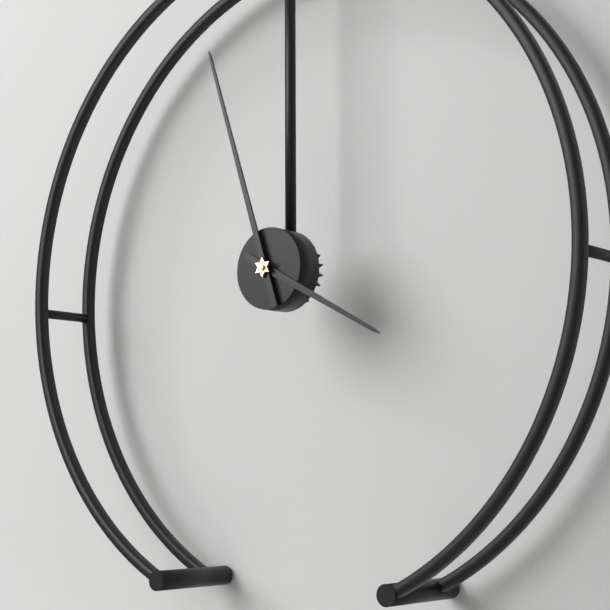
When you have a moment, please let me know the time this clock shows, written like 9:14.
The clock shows 3:57
